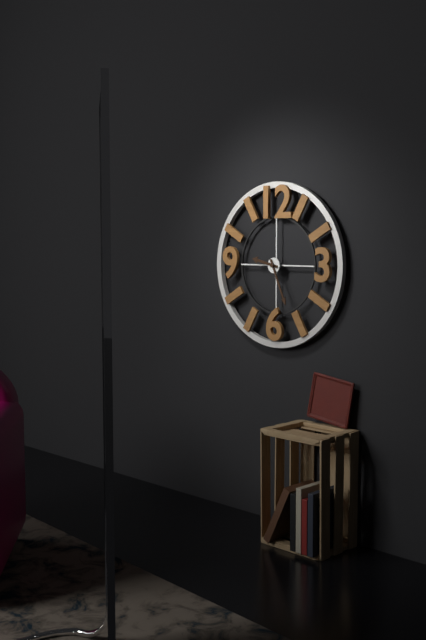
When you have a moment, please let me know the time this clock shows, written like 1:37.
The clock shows 9:26
